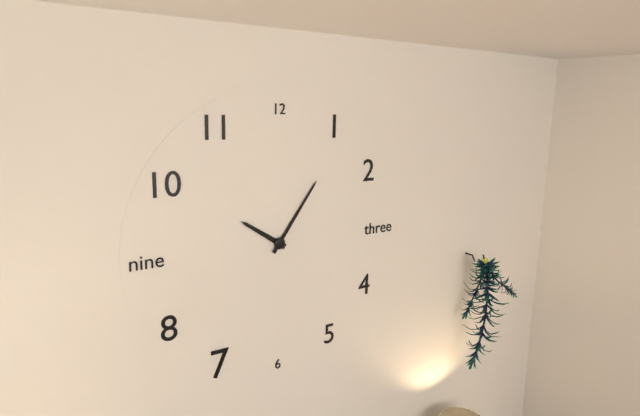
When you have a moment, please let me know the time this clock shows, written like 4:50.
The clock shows 10:06
